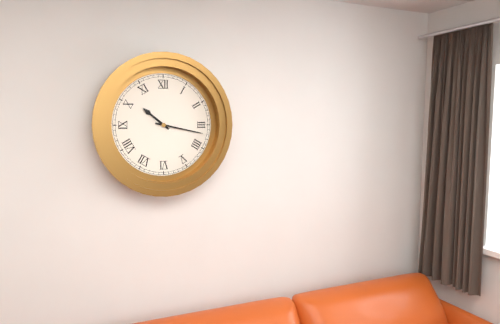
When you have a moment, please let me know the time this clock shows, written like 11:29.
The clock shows 10:17
